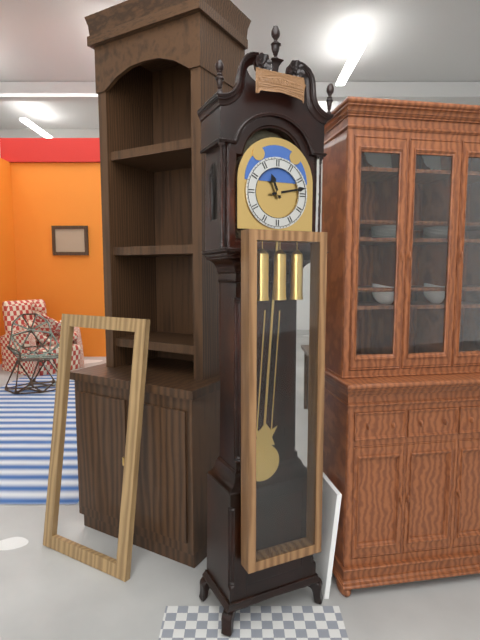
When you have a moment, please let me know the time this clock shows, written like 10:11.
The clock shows 11:13
